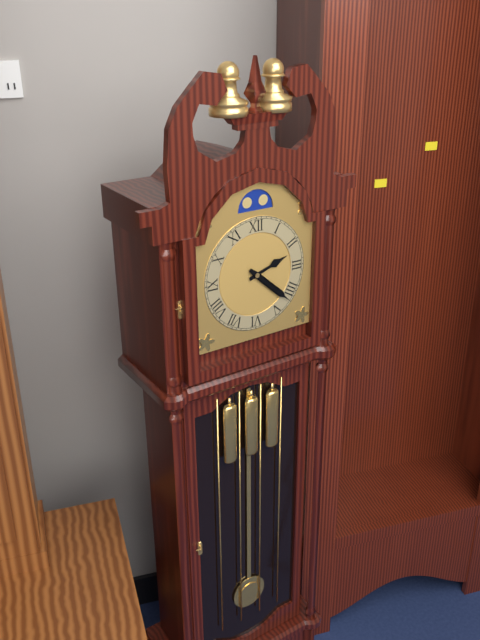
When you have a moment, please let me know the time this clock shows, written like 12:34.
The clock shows 2:22
